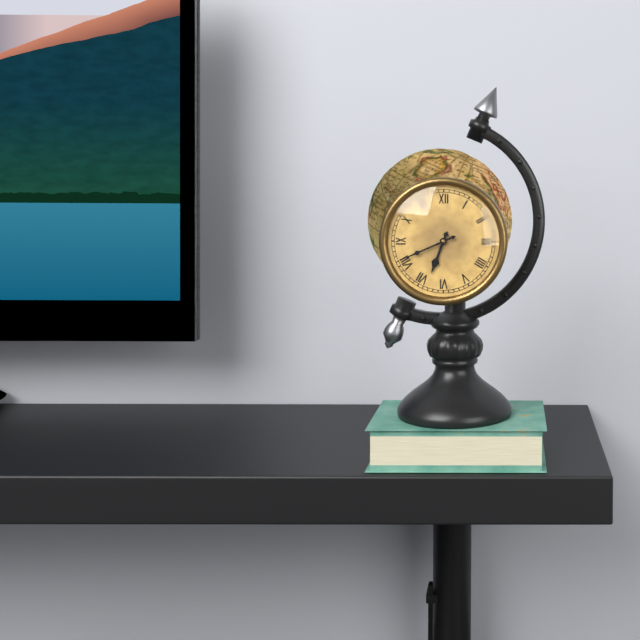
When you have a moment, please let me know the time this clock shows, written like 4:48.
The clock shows 6:41
